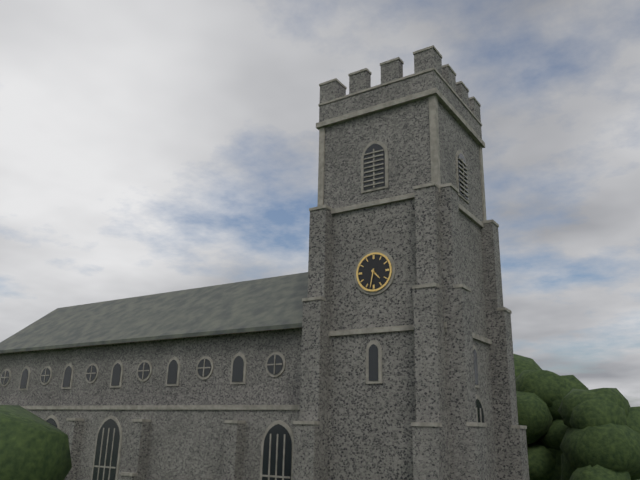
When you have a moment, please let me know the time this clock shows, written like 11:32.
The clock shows 4:32
